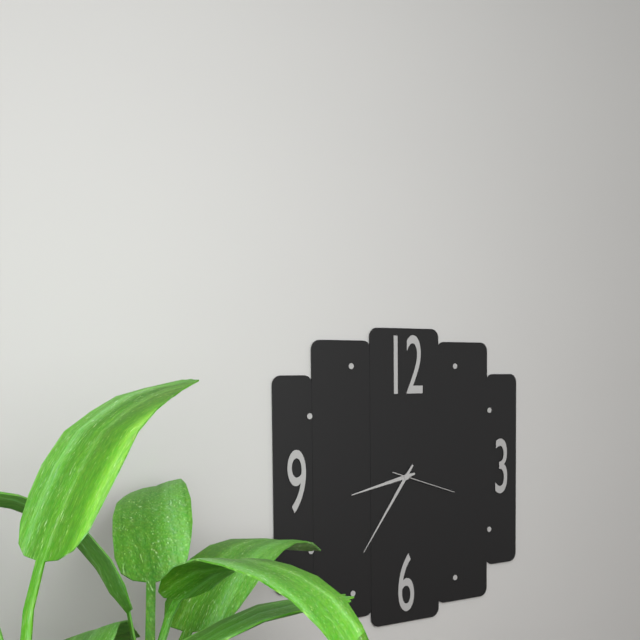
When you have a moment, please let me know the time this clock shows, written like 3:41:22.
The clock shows 8:36:18
